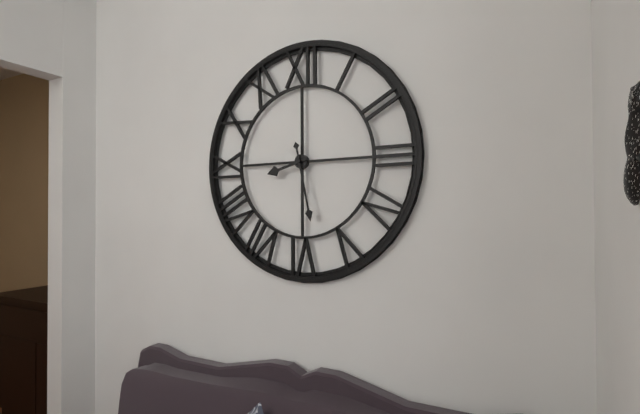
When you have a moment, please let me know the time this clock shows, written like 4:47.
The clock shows 8:28
